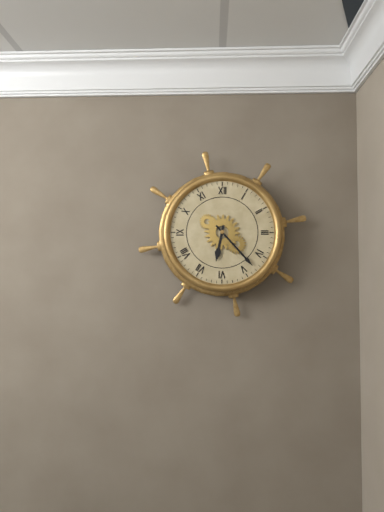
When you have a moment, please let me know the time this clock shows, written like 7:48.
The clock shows 6:23
